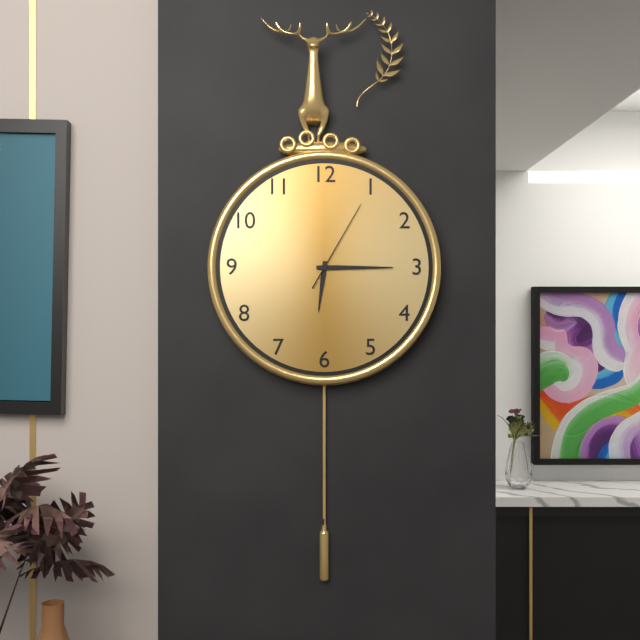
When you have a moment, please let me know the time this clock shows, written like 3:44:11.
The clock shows 6:15:05
